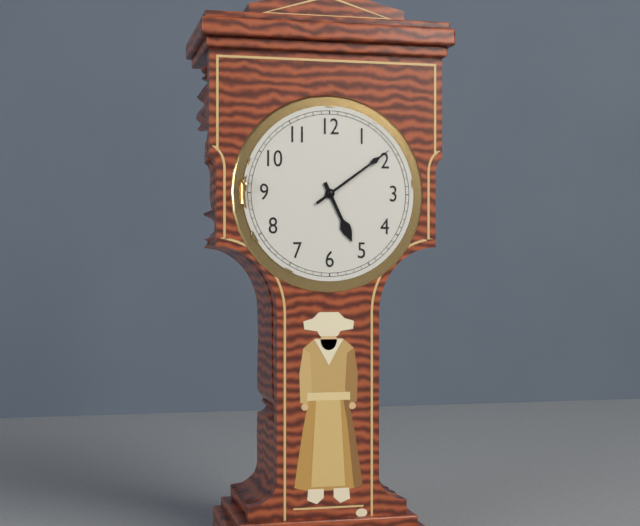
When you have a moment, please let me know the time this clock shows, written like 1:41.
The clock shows 5:09
